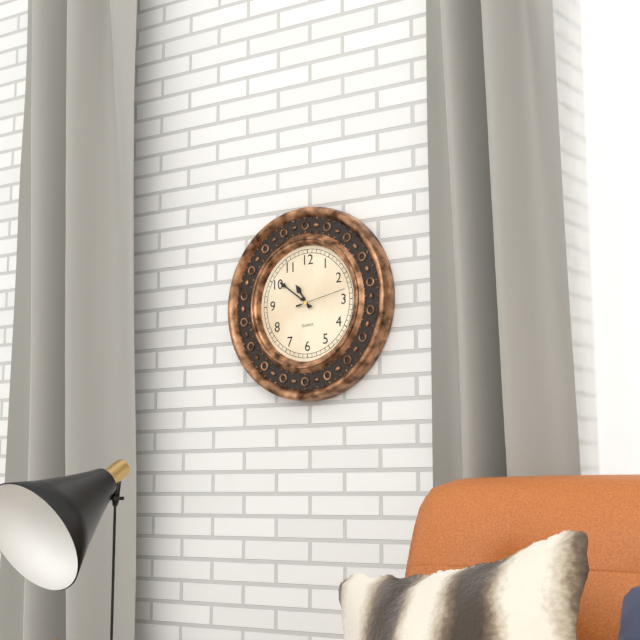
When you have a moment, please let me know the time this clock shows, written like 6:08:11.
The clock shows 10:51:13
